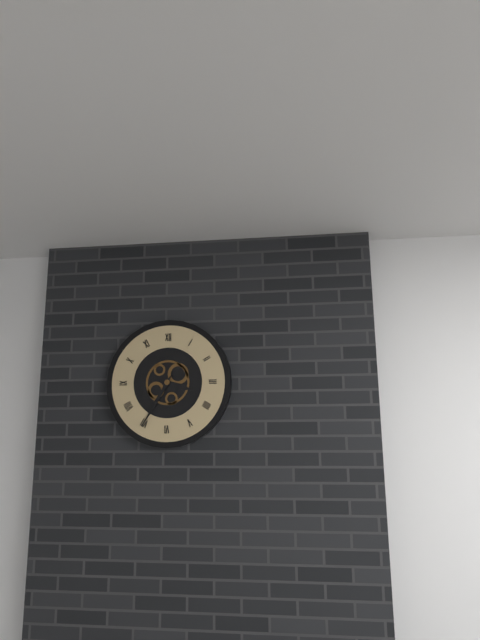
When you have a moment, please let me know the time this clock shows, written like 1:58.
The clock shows 3:35
